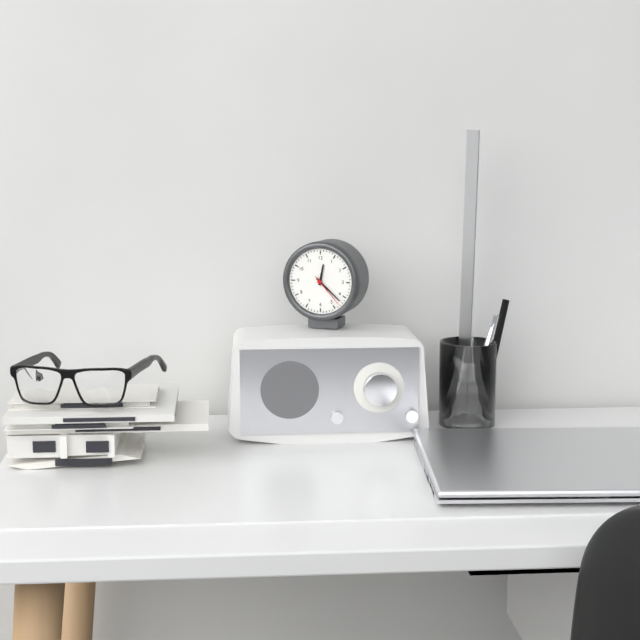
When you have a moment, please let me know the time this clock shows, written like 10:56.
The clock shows 12:22
